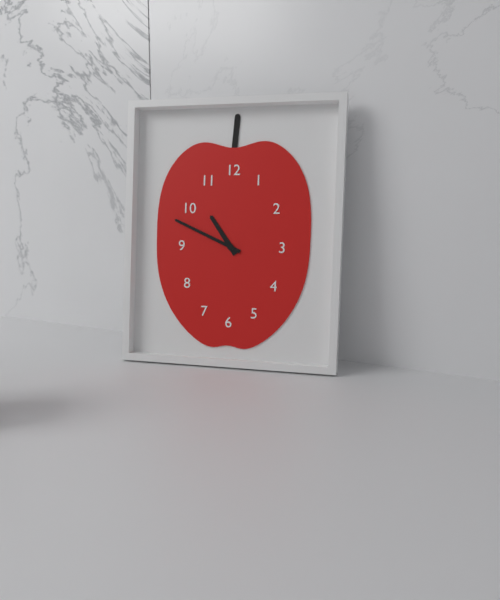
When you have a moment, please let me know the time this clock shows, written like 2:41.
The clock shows 10:49
